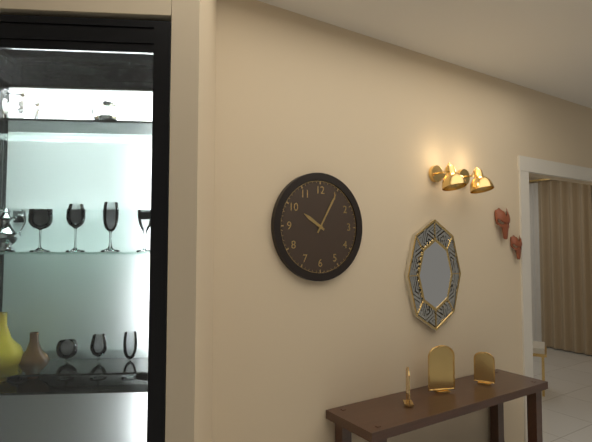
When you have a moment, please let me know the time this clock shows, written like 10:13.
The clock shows 10:05
